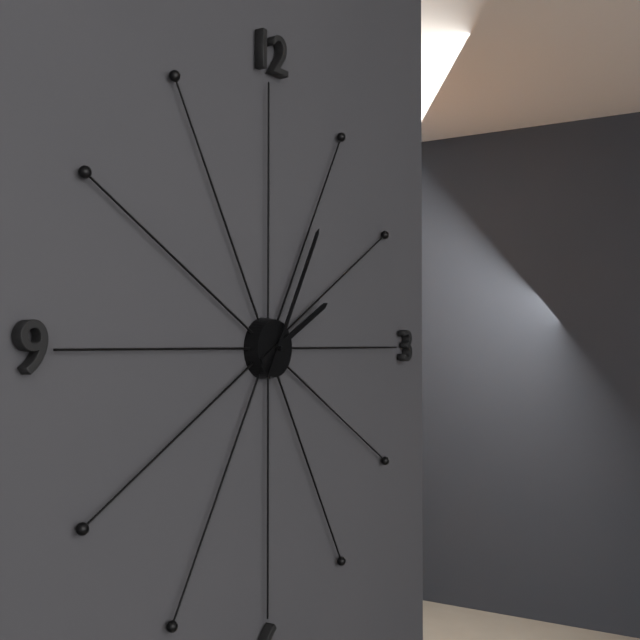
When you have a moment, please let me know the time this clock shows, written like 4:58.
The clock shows 2:05
